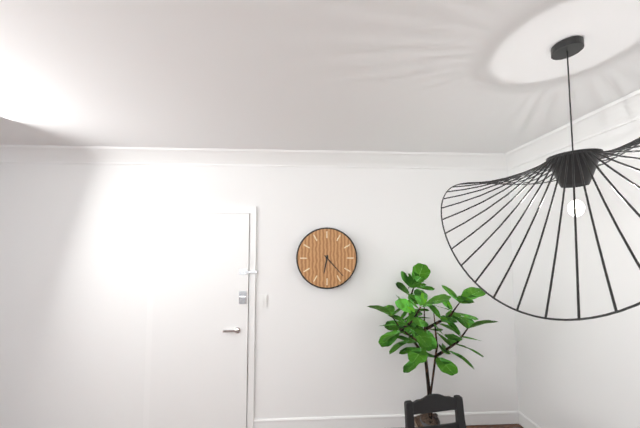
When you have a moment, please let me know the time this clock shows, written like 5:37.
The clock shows 6:23
